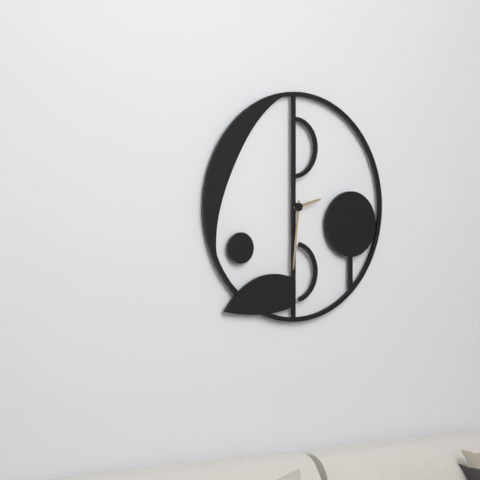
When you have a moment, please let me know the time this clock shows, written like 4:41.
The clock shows 2:31
